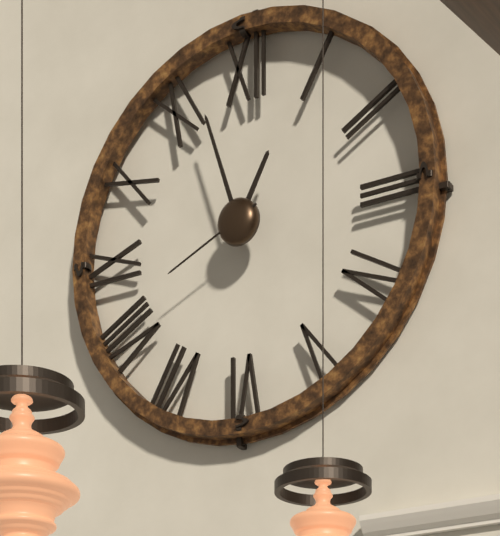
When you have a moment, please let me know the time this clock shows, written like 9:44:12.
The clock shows 12:57:41
